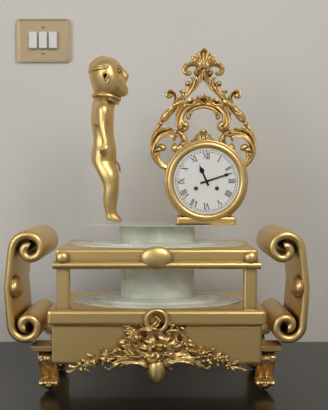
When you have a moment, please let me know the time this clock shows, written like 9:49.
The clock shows 11:12
